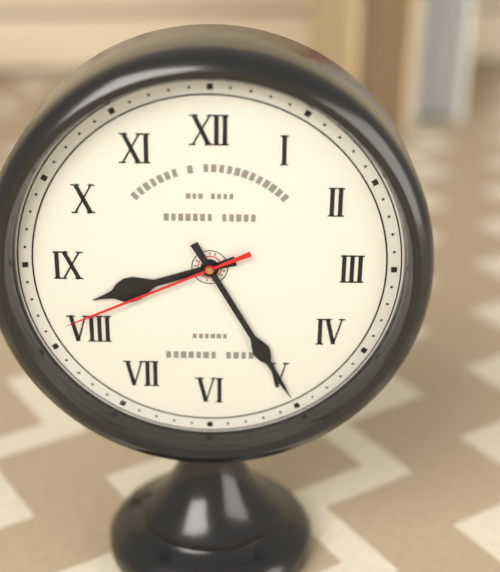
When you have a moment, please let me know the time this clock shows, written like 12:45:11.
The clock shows 8:25:41
